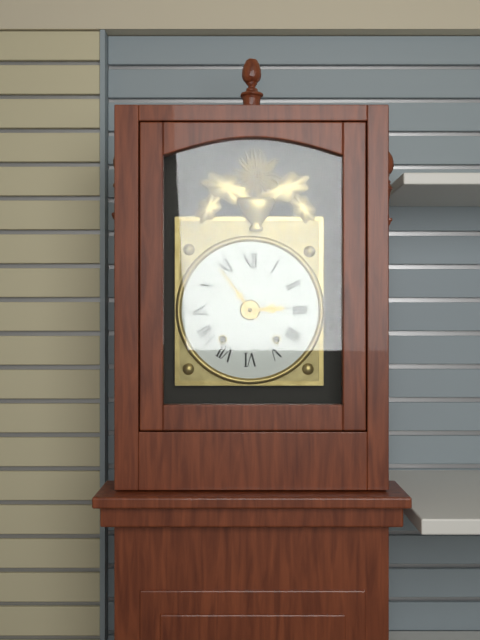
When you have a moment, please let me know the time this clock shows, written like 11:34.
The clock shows 2:54
